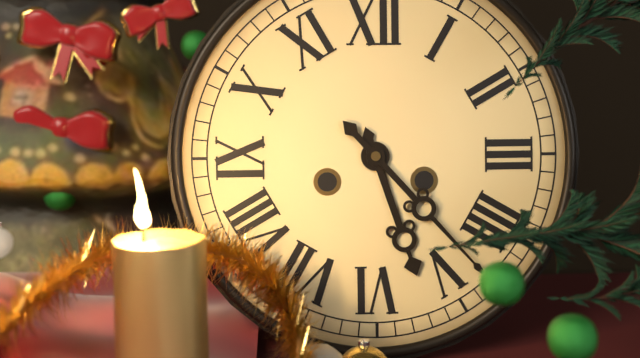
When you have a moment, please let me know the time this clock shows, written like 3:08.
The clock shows 5:23
